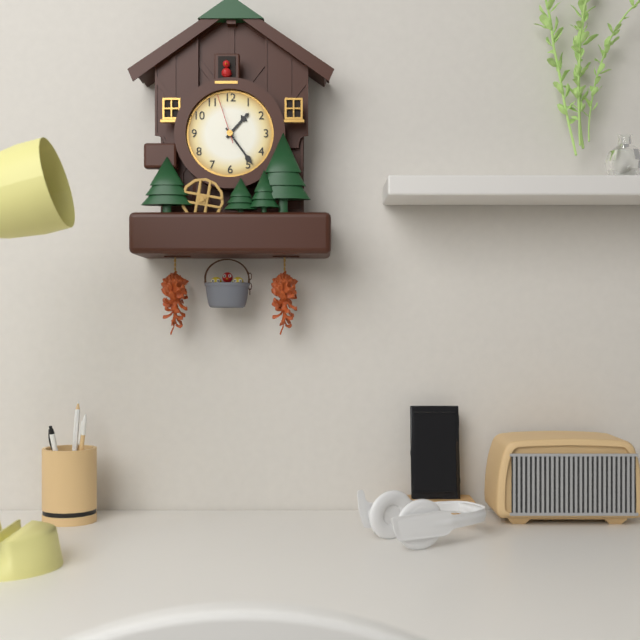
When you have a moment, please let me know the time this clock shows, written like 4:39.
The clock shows 1:24
